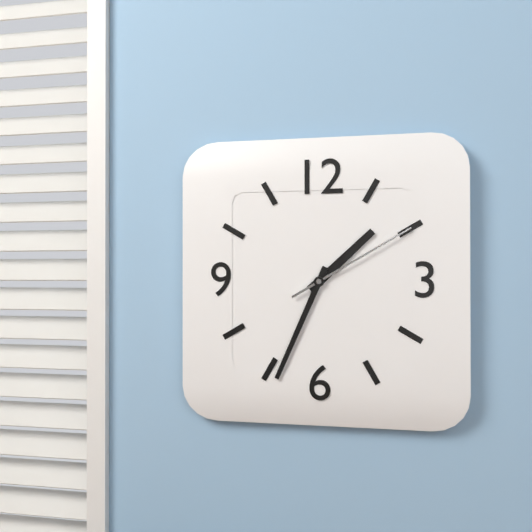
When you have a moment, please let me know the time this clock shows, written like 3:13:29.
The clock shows 1:34:10
